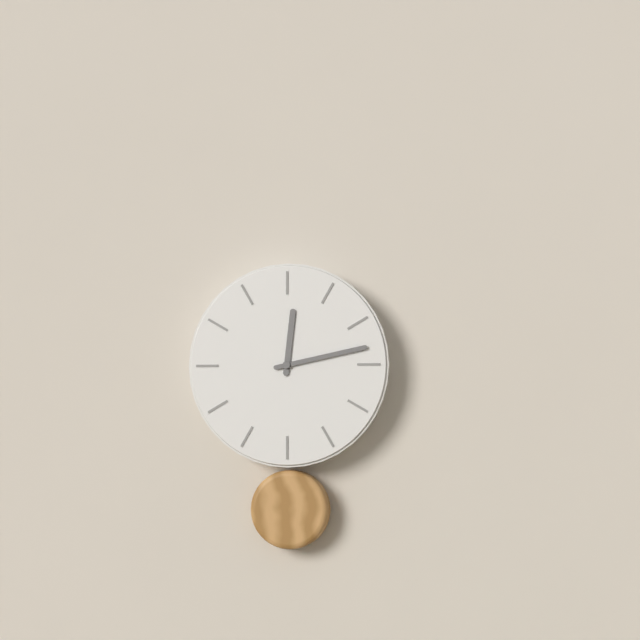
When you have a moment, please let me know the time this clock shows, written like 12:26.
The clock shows 12:13
